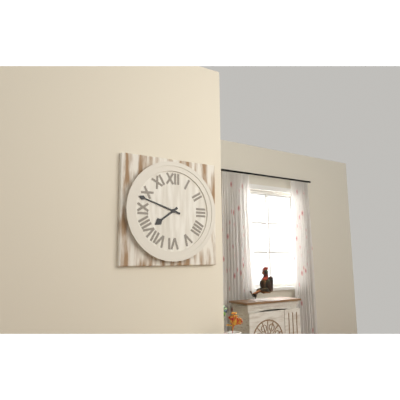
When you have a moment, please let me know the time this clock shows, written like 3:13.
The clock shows 7:48
